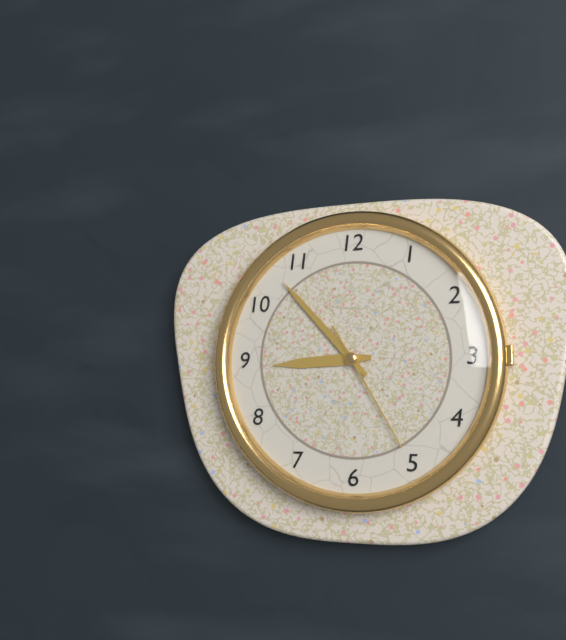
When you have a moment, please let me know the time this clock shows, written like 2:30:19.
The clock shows 8:53:25
